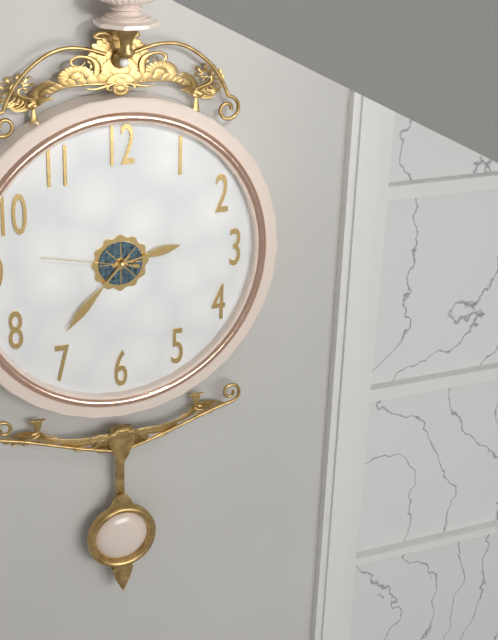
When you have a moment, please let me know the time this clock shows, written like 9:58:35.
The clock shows 2:37:47
